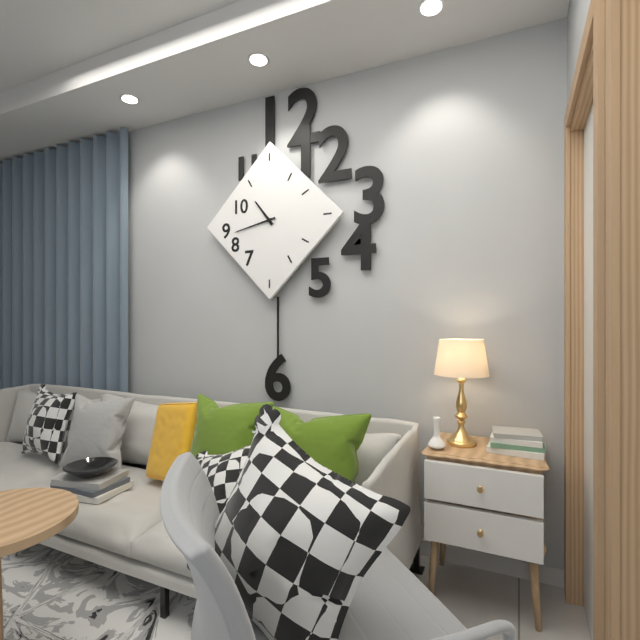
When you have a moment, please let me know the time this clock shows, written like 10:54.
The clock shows 10:43
